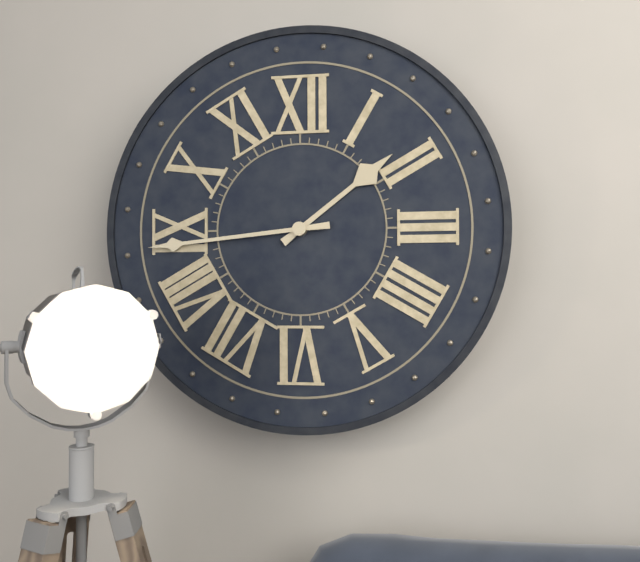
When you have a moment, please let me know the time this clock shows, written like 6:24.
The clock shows 1:44
